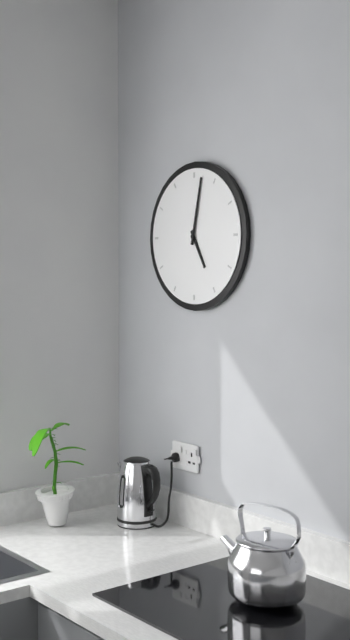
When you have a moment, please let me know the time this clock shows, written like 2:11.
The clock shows 5:02
